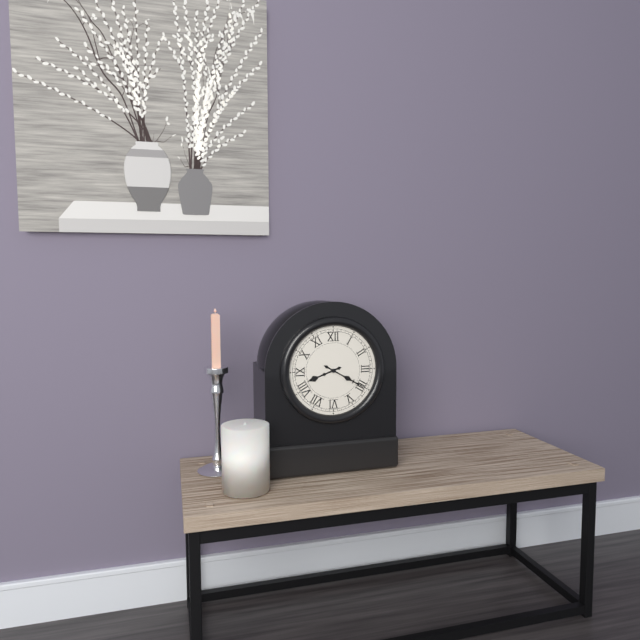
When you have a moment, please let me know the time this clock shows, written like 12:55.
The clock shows 8:20
